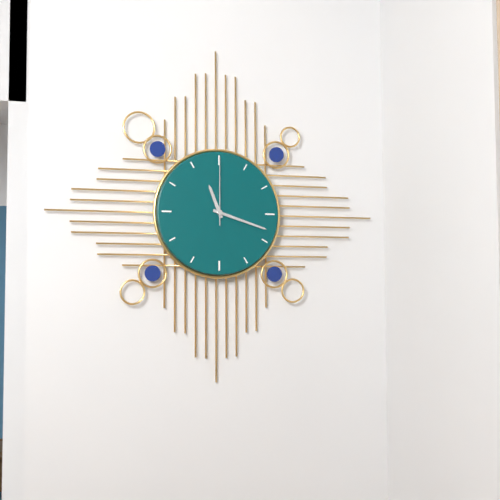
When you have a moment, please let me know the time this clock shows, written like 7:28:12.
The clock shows 11:18:00
